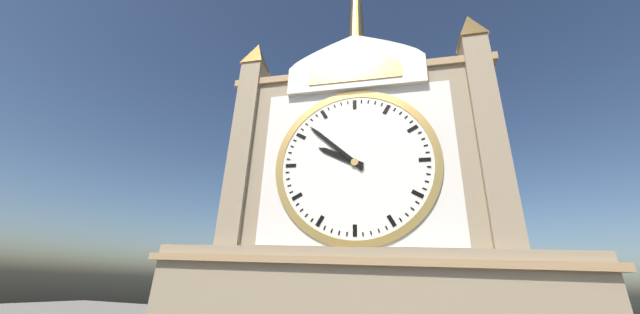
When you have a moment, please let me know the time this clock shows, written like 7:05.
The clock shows 9:52
